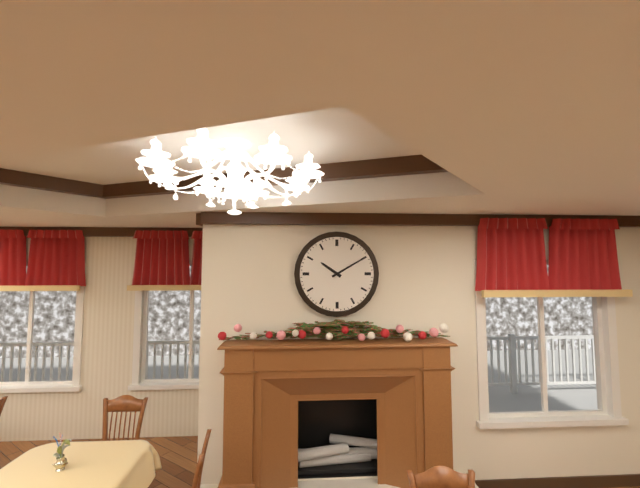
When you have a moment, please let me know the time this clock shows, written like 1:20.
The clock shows 10:10
